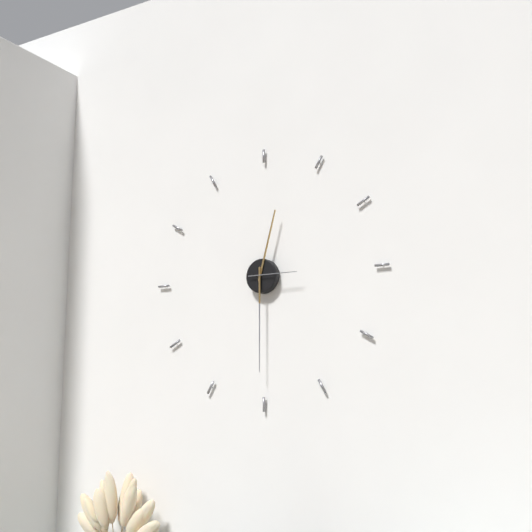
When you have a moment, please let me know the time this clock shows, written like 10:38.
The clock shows 12:30
